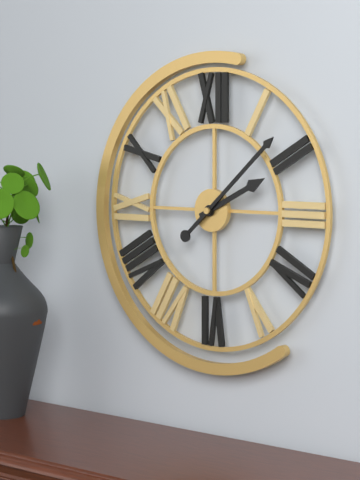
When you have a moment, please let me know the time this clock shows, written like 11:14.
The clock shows 2:08
